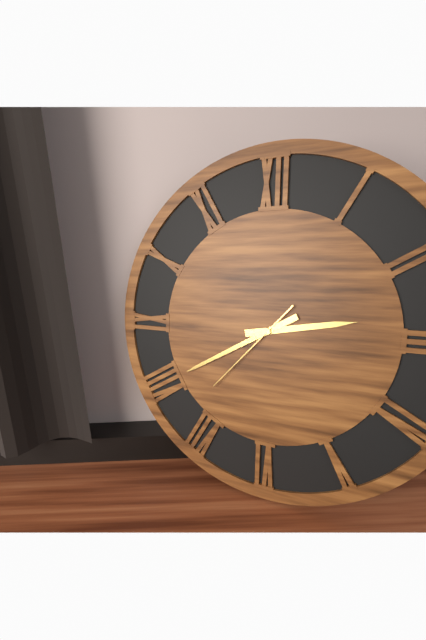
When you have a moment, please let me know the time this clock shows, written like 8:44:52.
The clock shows 2:40:37
